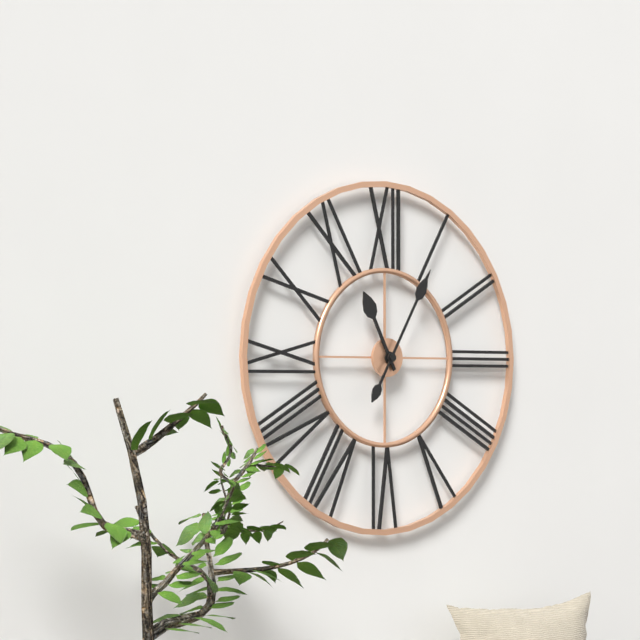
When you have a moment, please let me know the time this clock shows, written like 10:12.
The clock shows 11:05
